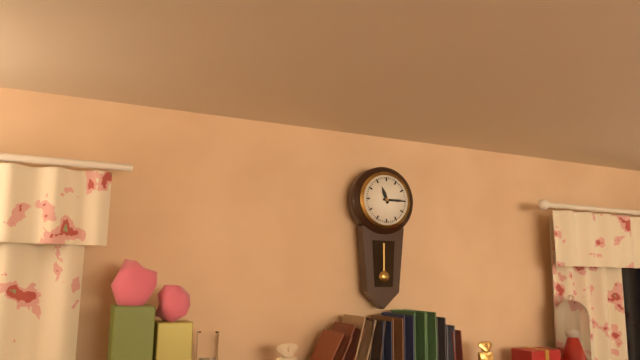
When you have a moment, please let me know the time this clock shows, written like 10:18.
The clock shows 11:15
